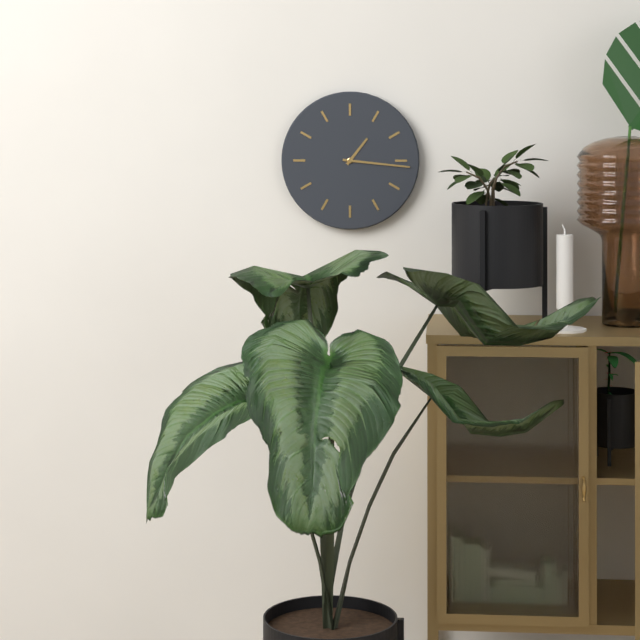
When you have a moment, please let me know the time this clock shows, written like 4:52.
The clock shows 1:16
